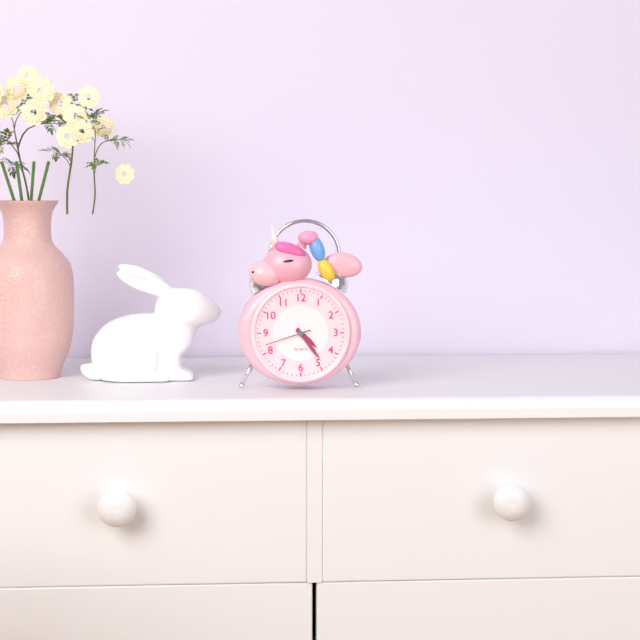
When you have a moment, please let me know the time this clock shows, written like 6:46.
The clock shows 4:24
